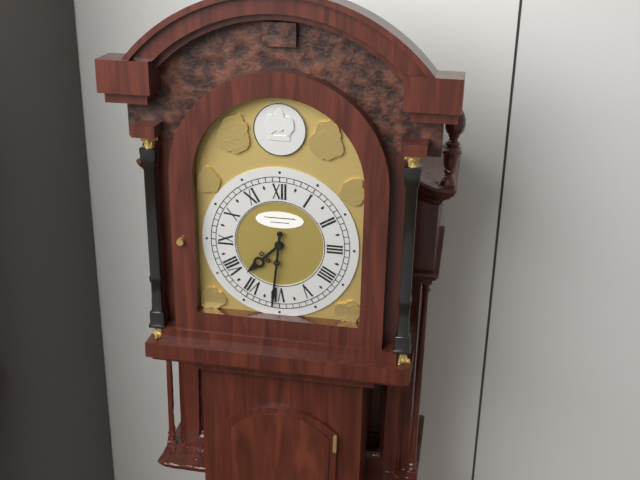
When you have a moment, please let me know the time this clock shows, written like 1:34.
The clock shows 7:31
